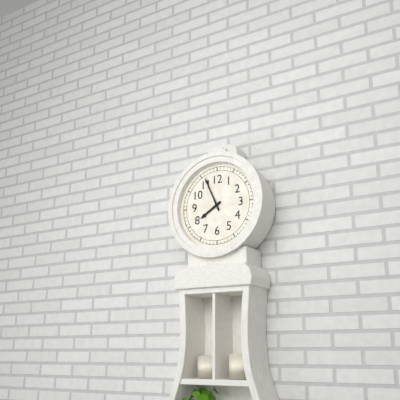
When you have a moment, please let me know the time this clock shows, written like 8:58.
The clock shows 7:56
